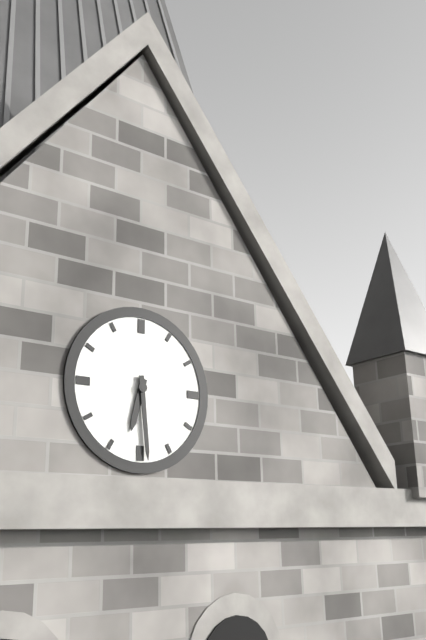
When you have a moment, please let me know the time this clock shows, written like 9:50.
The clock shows 6:29
